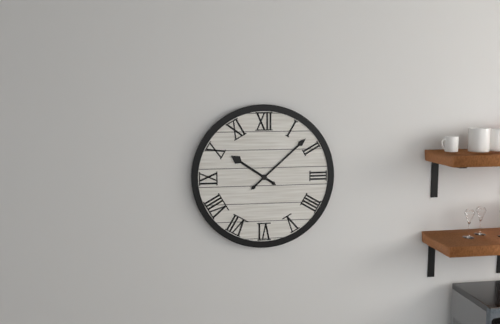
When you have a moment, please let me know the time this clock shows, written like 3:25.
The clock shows 10:08
